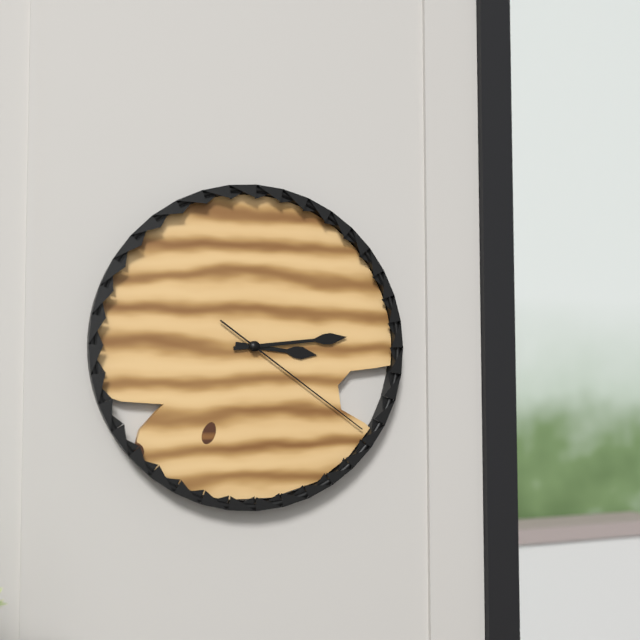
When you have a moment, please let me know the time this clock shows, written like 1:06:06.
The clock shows 3:14:21
